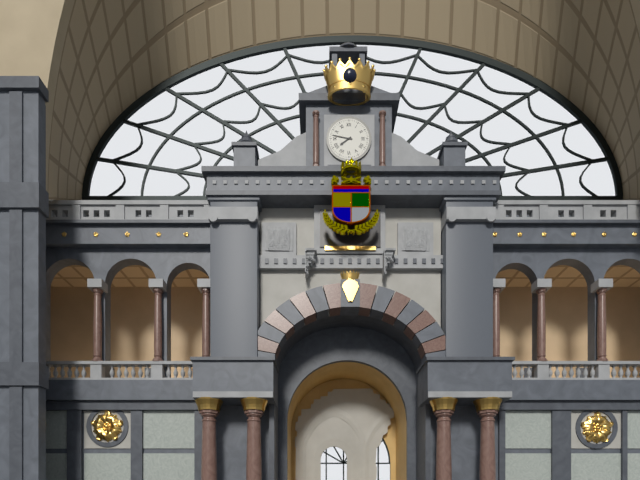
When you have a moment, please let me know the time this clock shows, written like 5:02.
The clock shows 7:47
